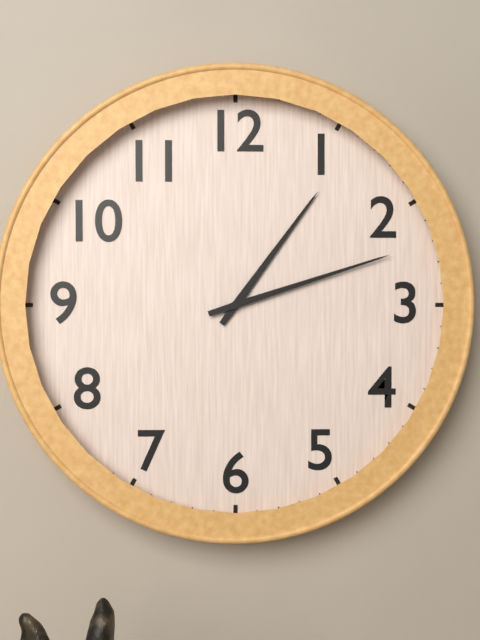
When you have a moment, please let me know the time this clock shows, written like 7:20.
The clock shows 1:12
